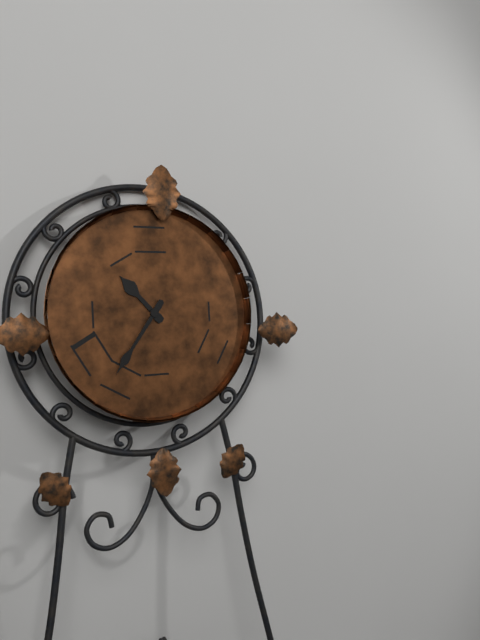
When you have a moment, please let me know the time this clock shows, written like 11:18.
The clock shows 10:36
